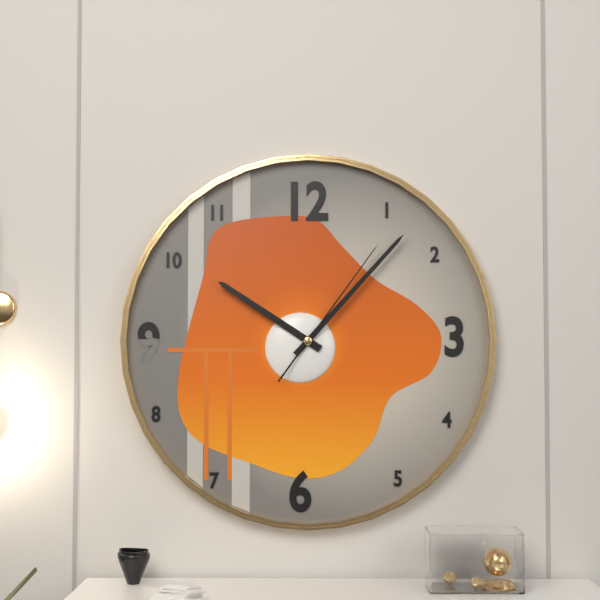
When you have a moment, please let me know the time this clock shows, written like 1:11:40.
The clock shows 10:07:06
